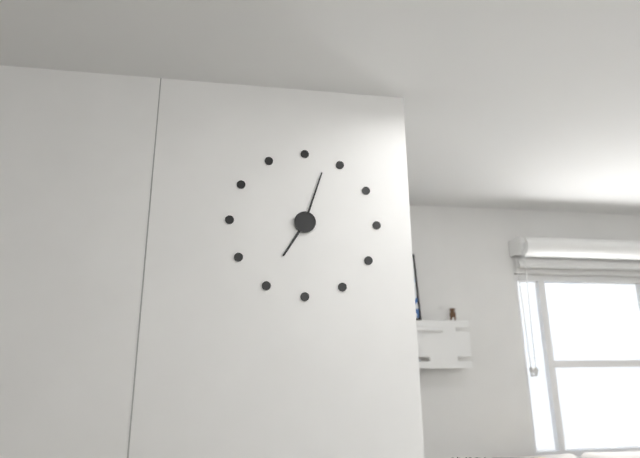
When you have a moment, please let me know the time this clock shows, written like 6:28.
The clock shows 7:03
